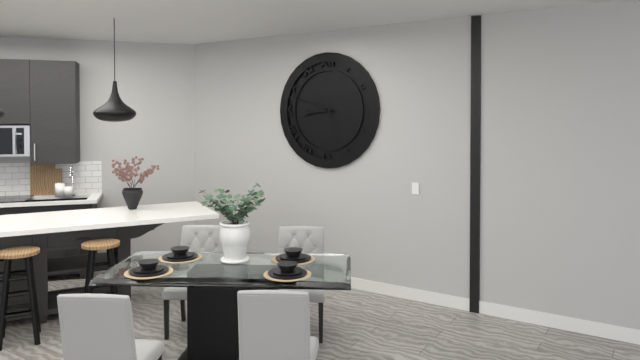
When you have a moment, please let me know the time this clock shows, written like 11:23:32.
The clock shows 8:48:26
